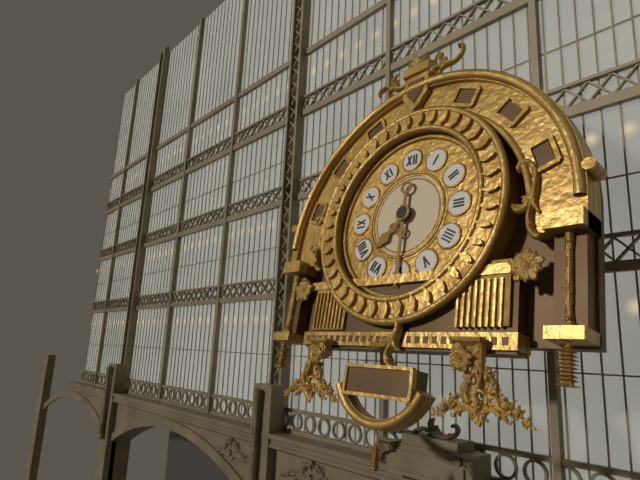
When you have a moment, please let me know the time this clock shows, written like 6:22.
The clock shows 7:30
